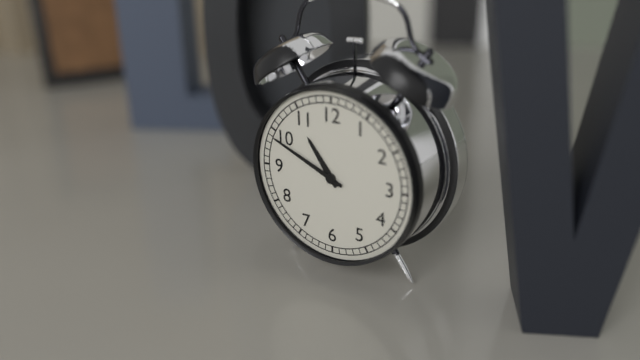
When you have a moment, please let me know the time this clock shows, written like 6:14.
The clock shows 10:49
